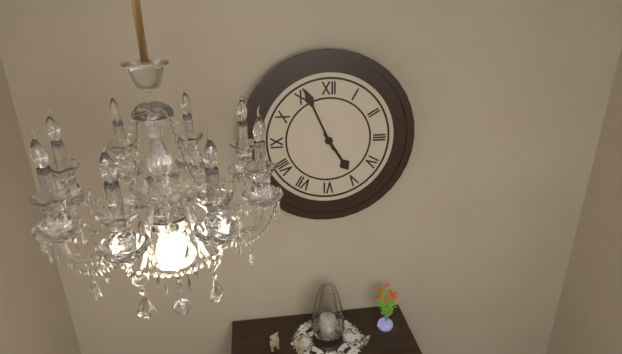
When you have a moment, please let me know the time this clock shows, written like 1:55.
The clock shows 4:56
